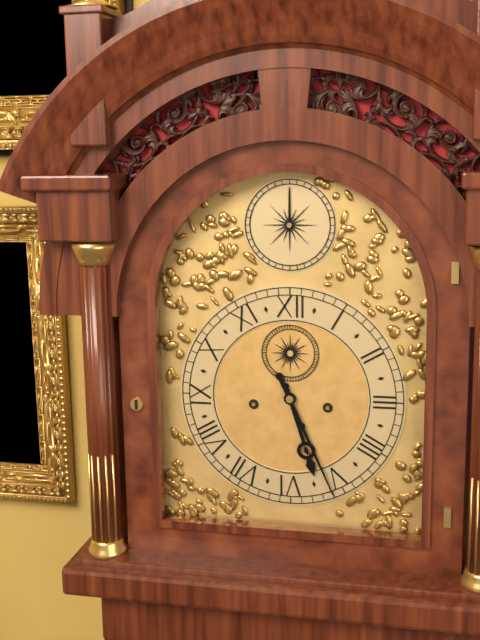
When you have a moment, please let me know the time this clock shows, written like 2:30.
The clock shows 5:26
